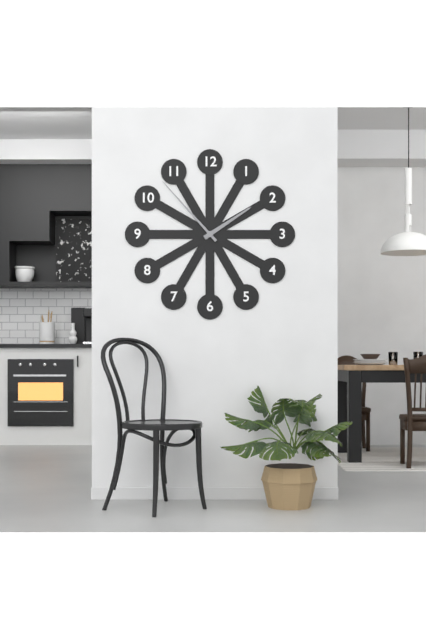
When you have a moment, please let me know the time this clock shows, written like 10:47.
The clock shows 1:53
